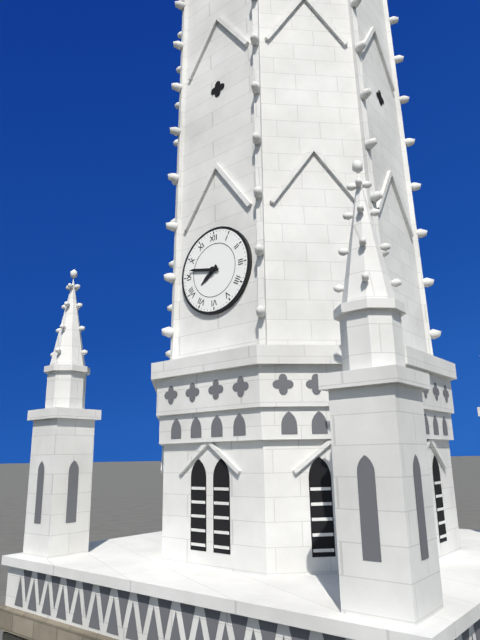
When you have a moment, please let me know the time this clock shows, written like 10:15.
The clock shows 7:47
